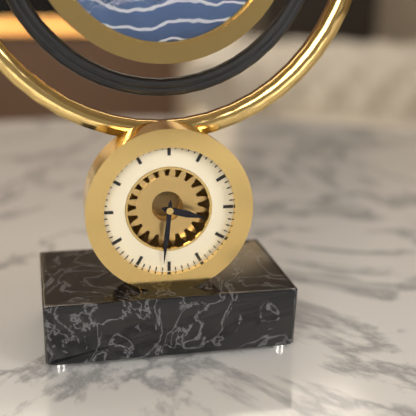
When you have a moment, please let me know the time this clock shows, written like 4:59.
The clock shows 3:31
